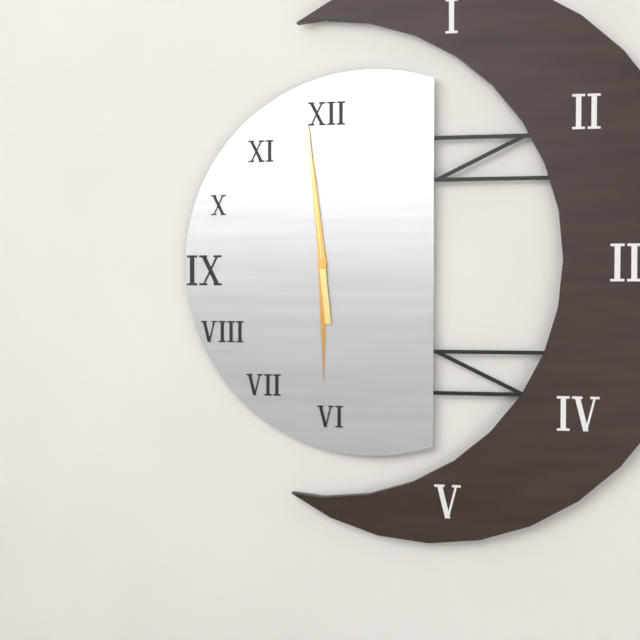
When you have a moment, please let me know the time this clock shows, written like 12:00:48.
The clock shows 5:59:59
